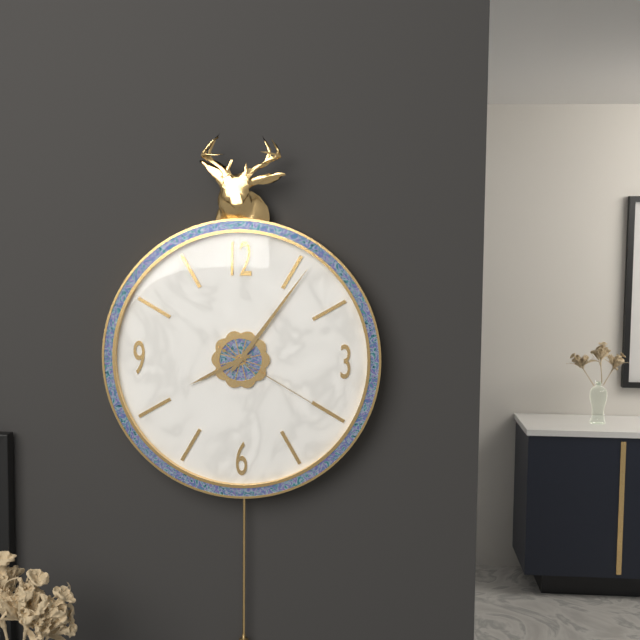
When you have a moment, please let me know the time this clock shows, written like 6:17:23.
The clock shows 8:06:20
